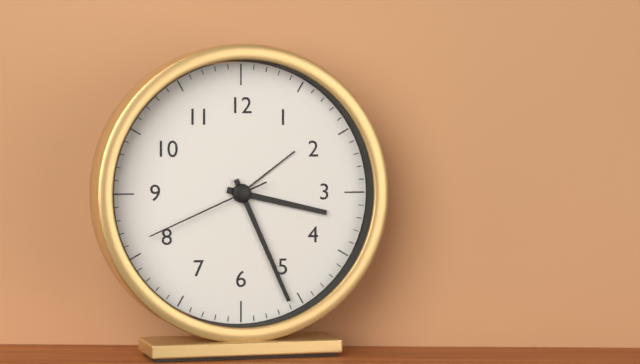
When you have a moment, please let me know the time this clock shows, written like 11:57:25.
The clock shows 3:26:41
